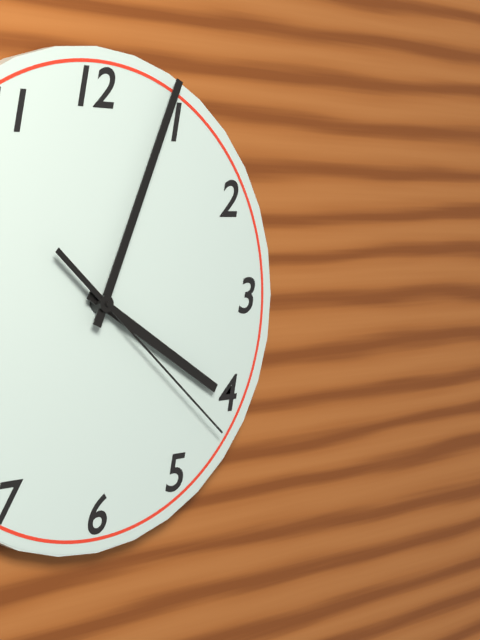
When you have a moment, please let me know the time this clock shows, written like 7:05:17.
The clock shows 4:04:22
